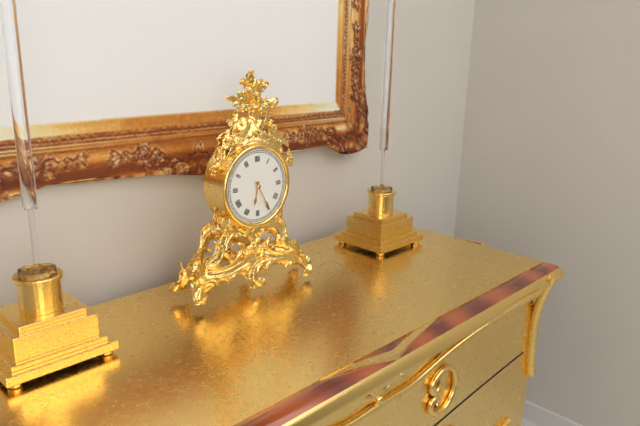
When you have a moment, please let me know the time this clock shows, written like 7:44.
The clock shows 6:25
